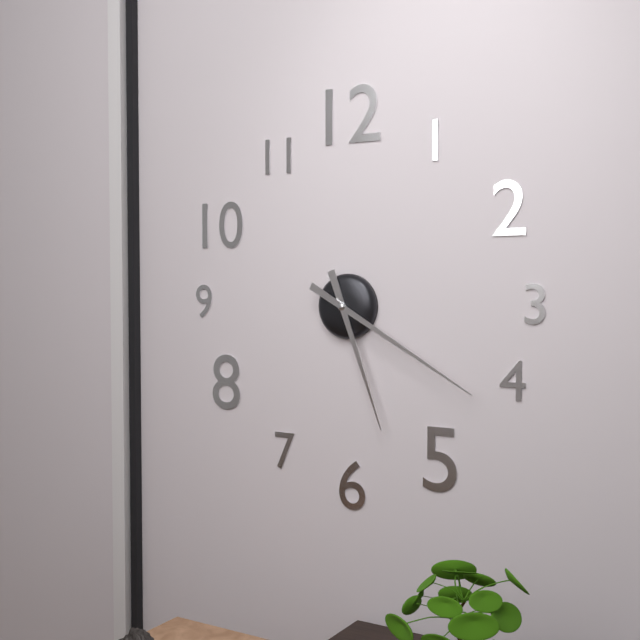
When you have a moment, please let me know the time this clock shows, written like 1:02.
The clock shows 5:20
